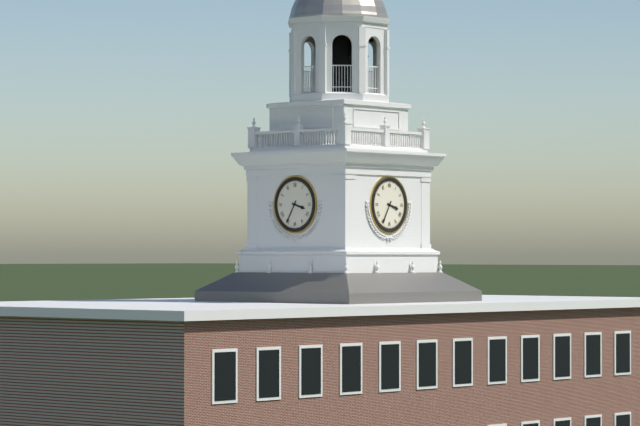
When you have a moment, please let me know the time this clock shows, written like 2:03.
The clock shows 3:35
